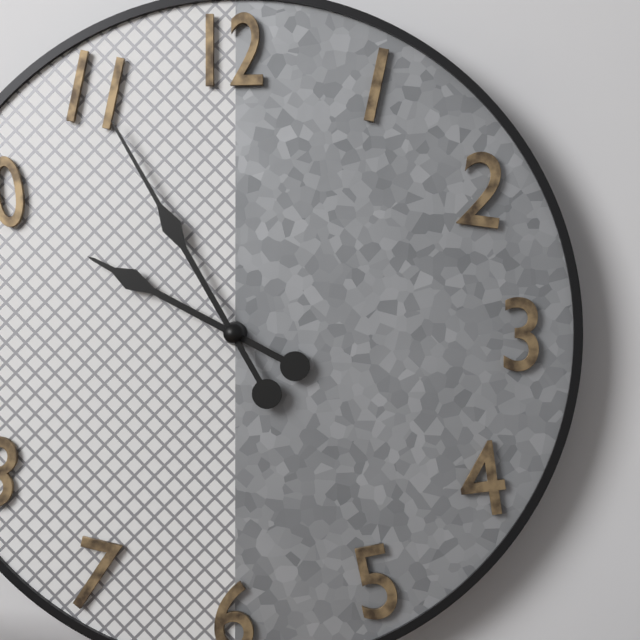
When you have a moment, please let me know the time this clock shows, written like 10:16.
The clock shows 9:55
